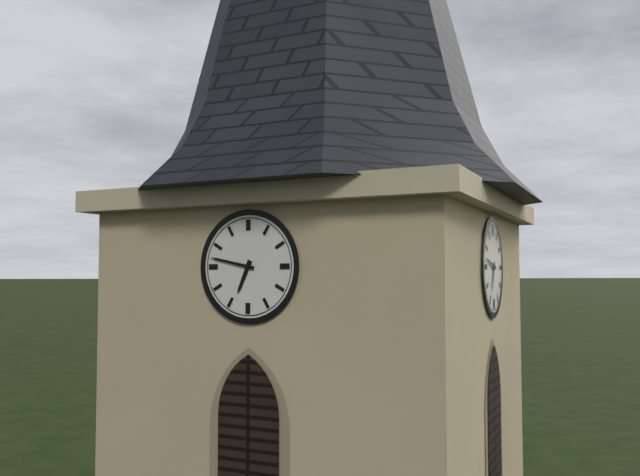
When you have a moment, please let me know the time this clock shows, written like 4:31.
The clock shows 6:47
